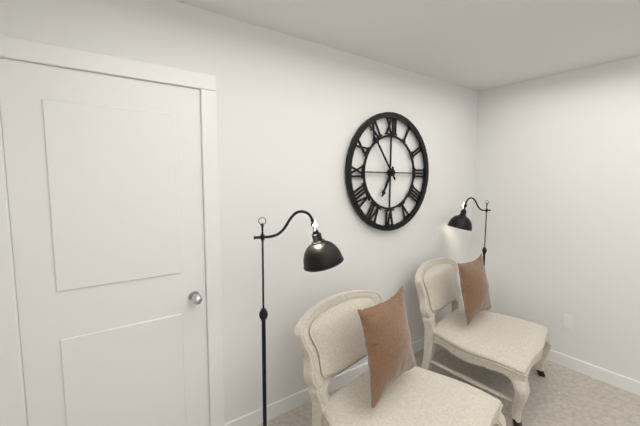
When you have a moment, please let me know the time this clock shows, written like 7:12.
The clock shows 6:54
